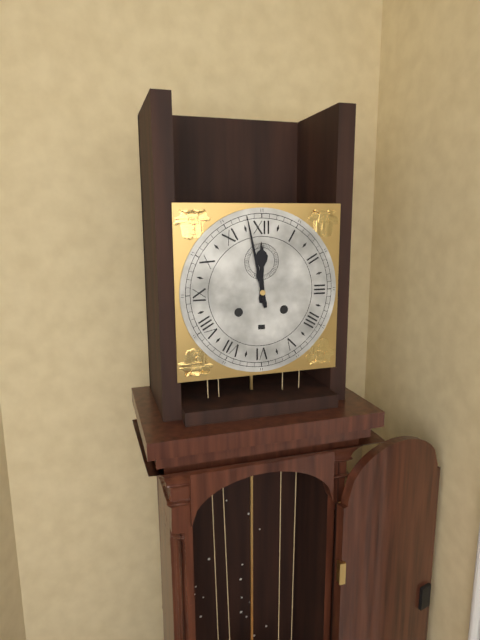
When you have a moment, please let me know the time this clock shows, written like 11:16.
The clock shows 11:58
